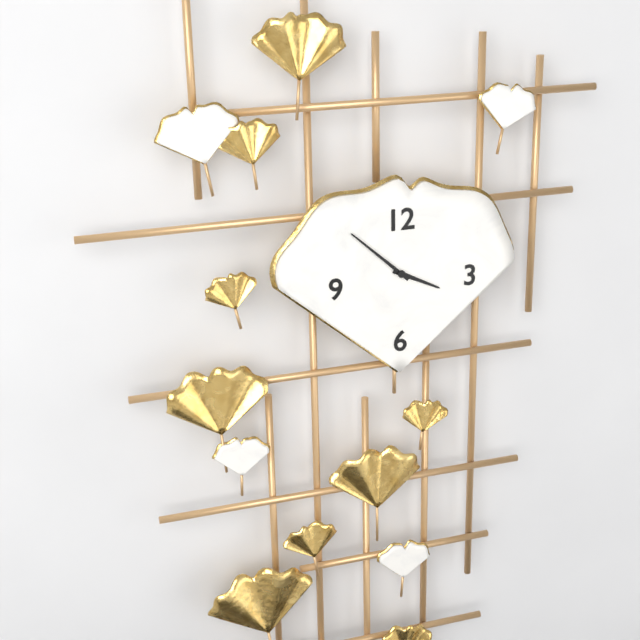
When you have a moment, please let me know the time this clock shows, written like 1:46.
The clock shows 3:52
